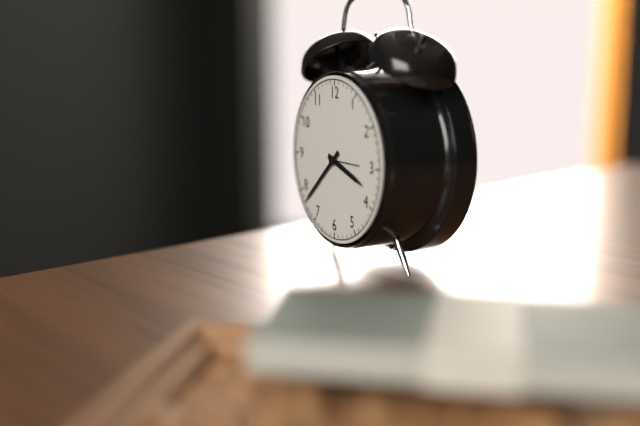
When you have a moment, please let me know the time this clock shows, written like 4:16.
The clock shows 3:38
